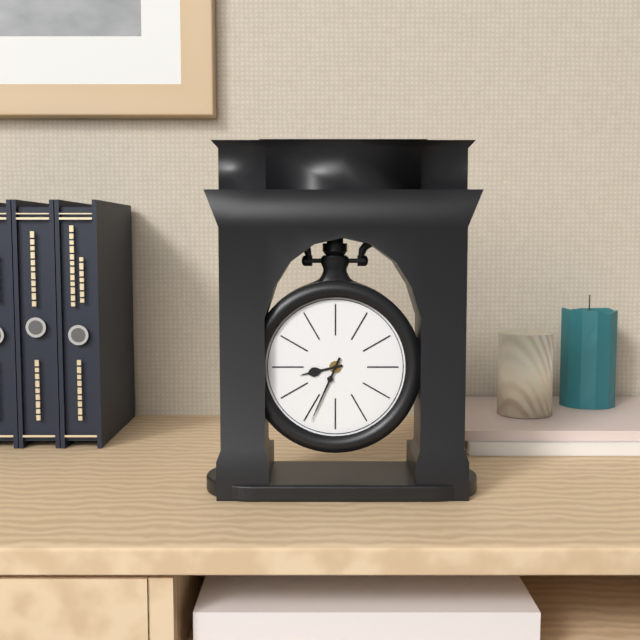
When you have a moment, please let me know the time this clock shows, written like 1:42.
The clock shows 8:34
